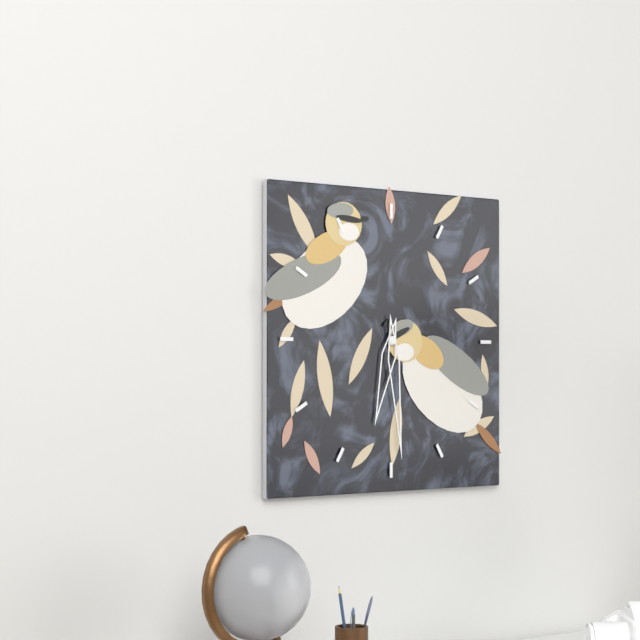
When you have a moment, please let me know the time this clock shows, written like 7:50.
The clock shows 6:29
